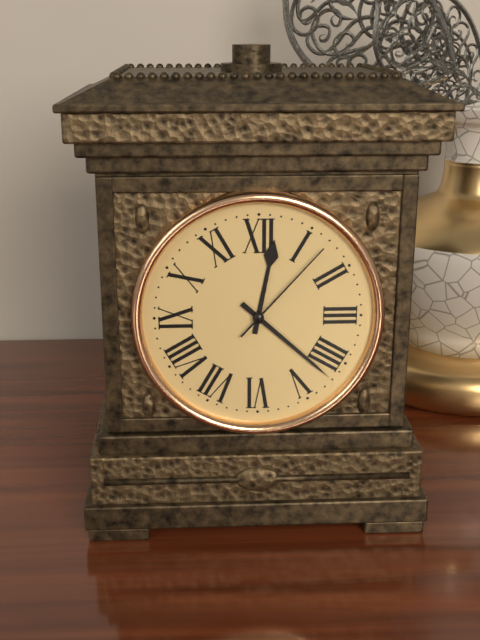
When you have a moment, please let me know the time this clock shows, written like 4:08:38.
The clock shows 12:22:07
